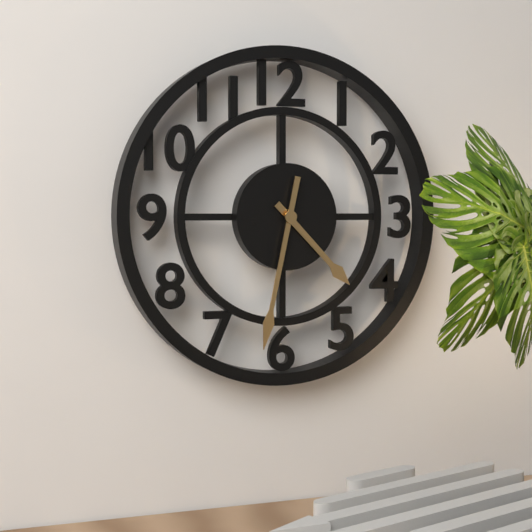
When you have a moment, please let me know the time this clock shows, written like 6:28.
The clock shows 4:32
